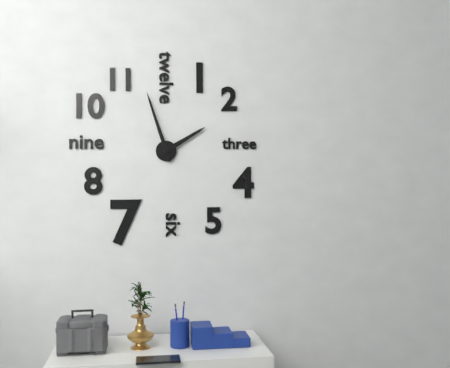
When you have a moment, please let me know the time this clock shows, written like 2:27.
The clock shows 1:57
